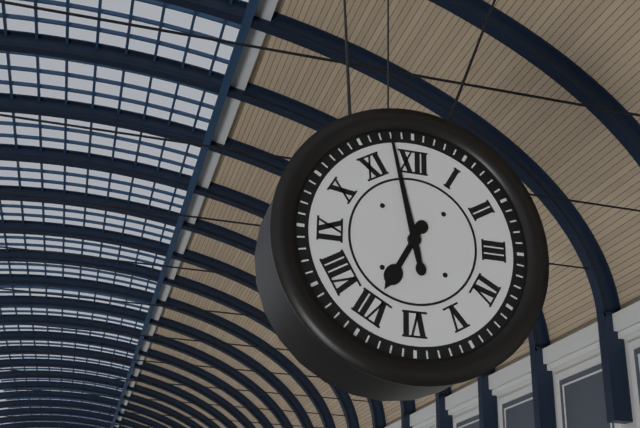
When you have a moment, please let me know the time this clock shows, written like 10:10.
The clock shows 6:58
